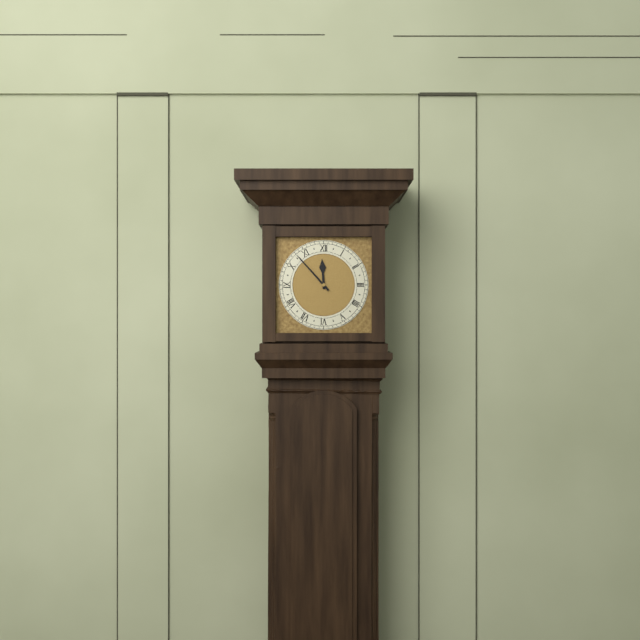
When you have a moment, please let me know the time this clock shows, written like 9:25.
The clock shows 11:53
